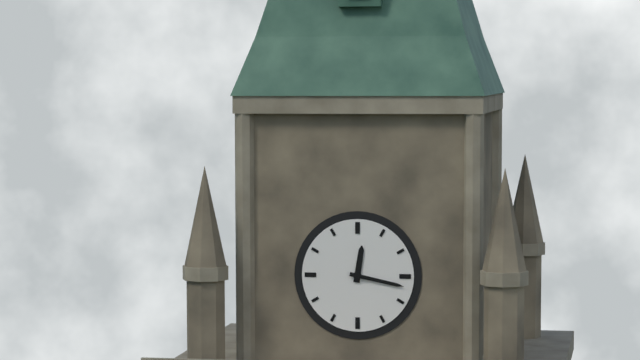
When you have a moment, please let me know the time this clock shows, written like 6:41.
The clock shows 12:17
